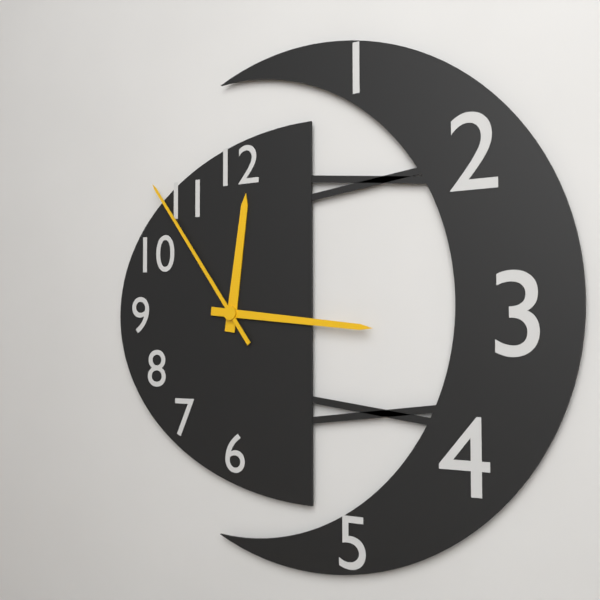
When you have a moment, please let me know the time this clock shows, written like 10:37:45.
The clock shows 12:16:54
